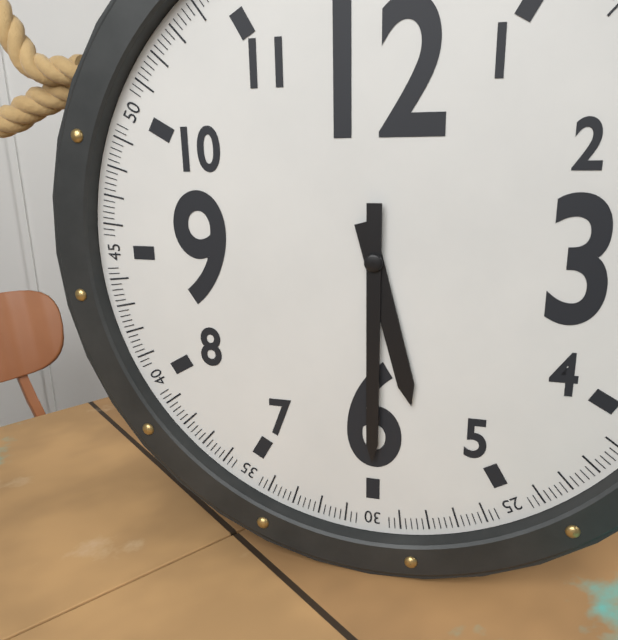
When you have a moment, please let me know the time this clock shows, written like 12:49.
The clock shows 5:30
